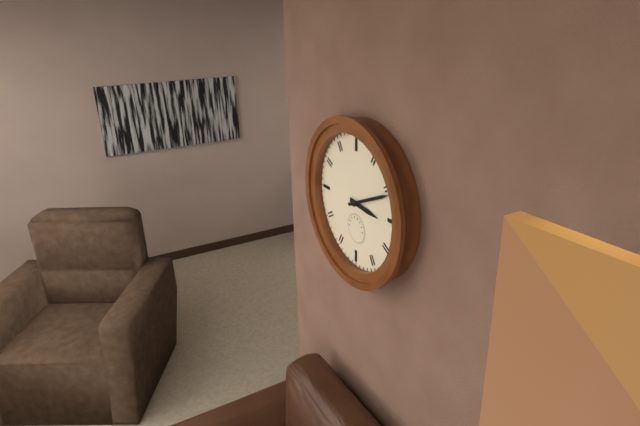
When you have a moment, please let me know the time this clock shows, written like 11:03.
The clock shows 3:11
